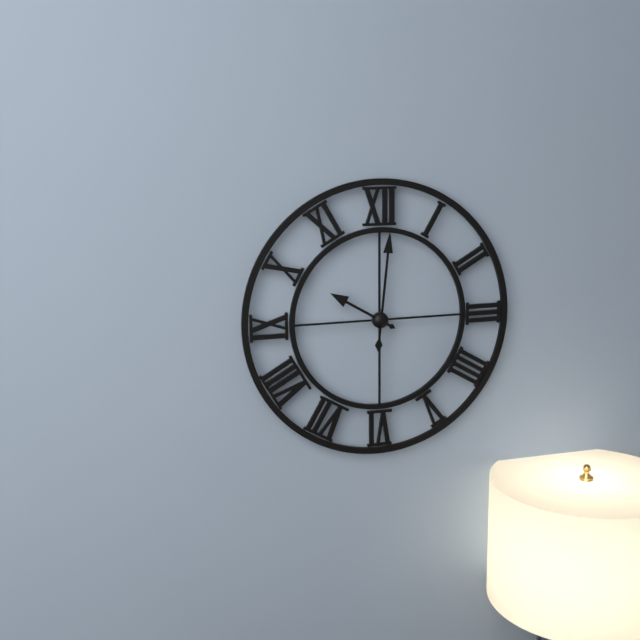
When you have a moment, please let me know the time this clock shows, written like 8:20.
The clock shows 10:01
